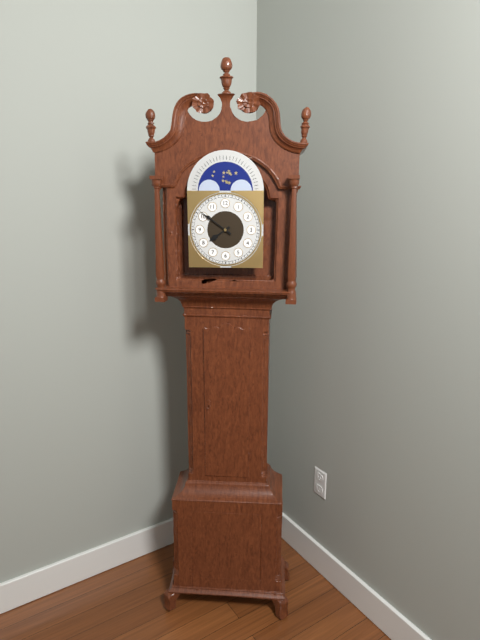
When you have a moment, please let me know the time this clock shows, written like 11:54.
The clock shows 7:51
